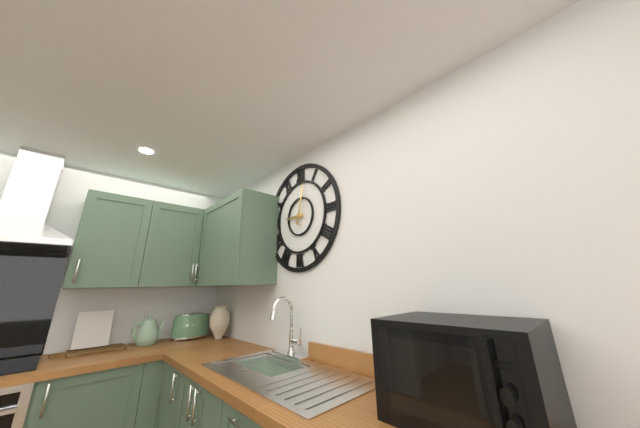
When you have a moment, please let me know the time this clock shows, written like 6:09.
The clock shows 9:02
